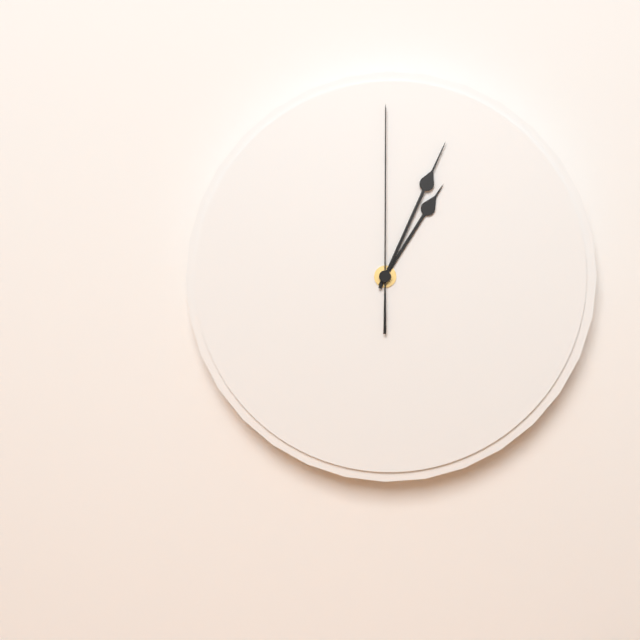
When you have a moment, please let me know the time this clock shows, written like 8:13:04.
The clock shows 1:04:00
